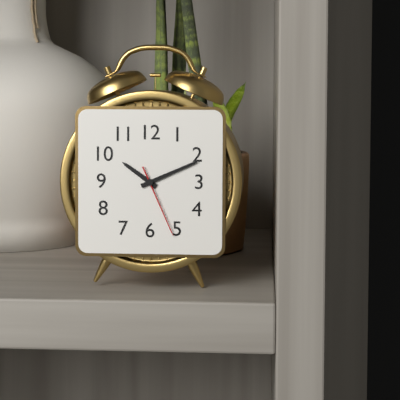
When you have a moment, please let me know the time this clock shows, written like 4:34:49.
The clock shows 10:11:26
